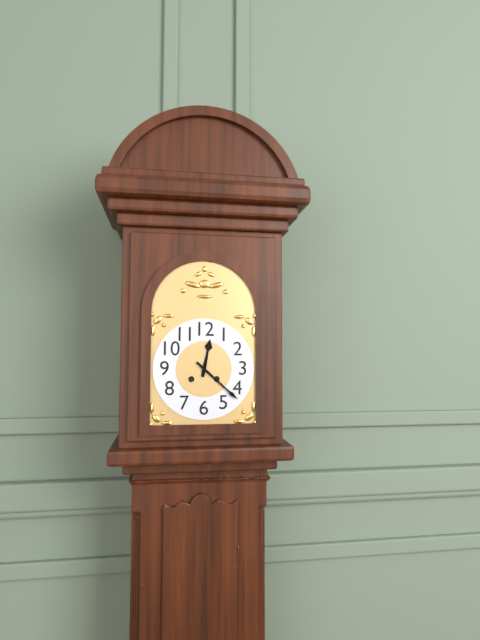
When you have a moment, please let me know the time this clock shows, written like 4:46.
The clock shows 12:22
